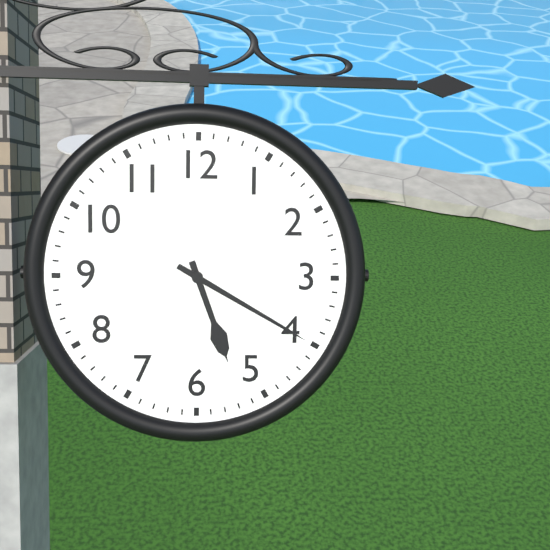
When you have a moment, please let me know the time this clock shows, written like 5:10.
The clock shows 5:20
